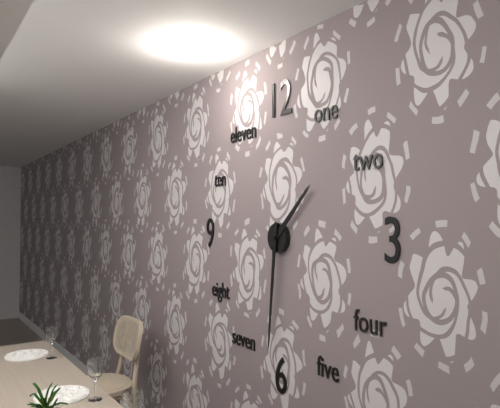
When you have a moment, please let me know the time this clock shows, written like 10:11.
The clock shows 1:31
